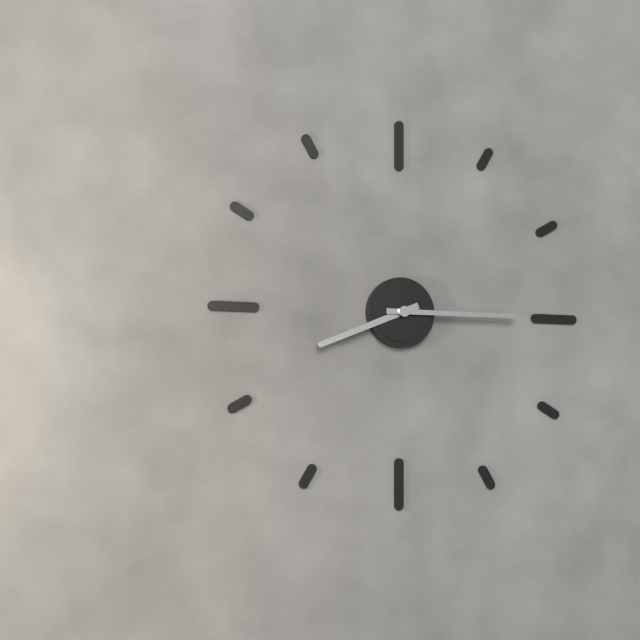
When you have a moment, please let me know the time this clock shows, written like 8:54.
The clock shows 8:15
